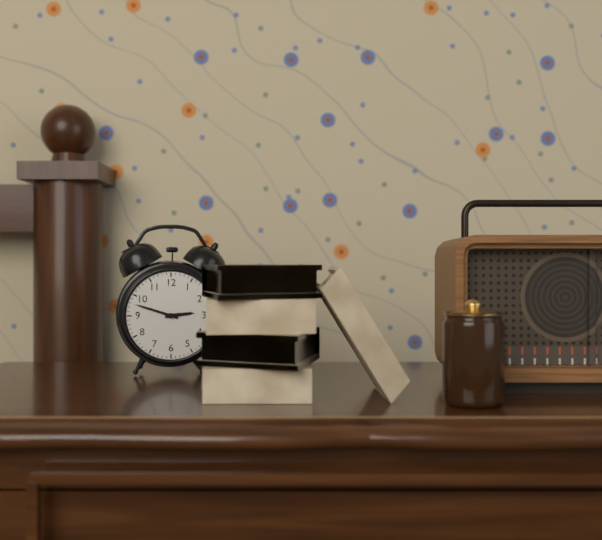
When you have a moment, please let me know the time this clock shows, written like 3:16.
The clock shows 2:48
